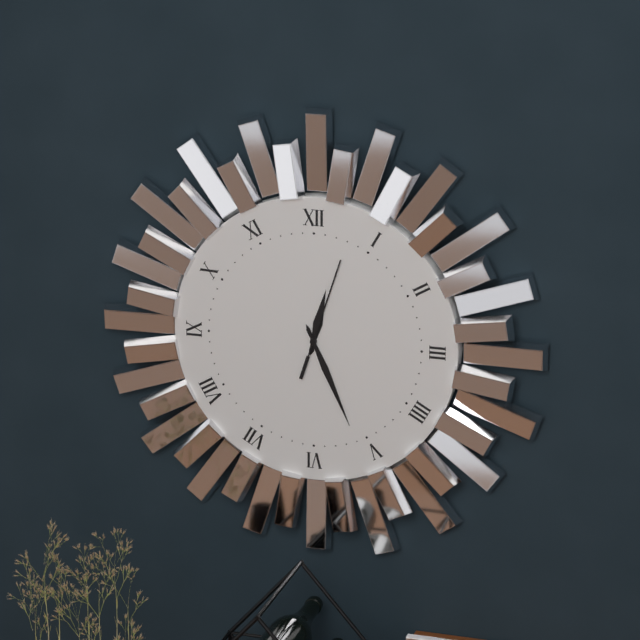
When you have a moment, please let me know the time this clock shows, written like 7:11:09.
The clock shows 12:26:03
